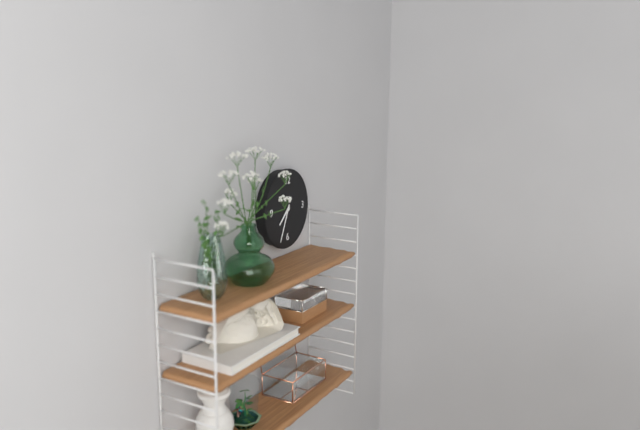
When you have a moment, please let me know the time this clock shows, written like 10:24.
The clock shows 7:34
